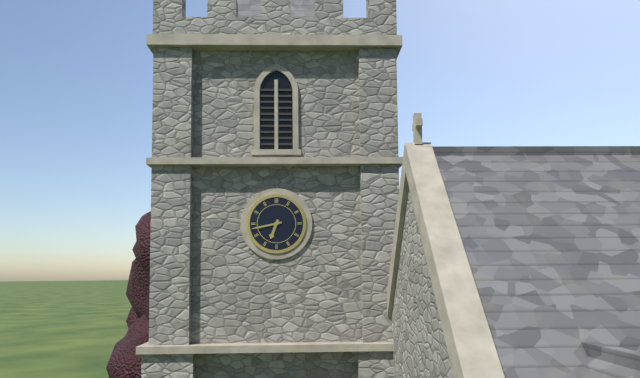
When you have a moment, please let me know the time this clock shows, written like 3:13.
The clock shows 6:43
